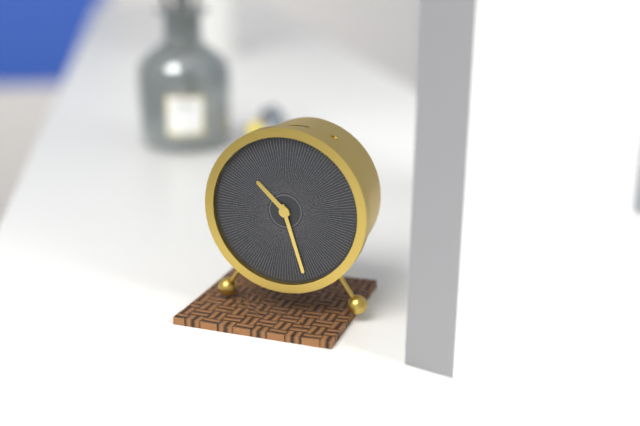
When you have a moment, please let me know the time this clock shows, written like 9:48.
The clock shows 10:27
